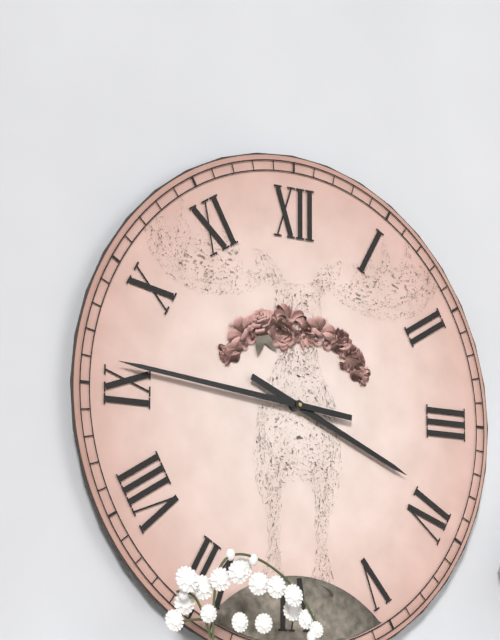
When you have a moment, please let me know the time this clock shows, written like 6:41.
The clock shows 3:46
